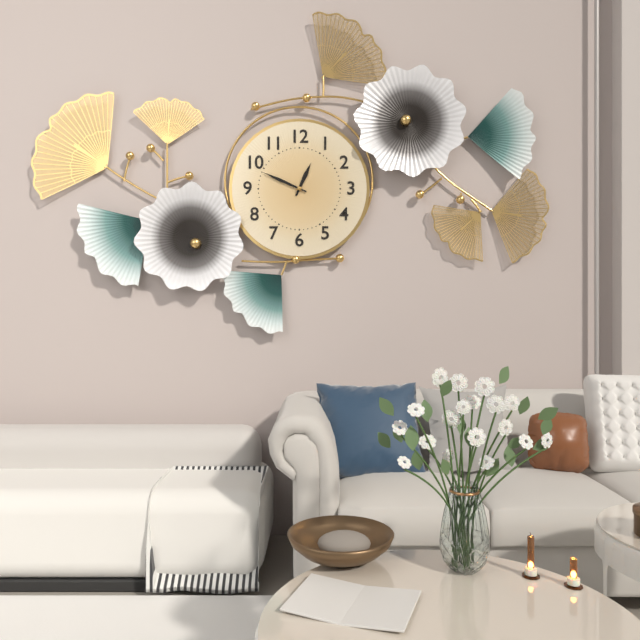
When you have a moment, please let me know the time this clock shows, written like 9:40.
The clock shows 12:49
